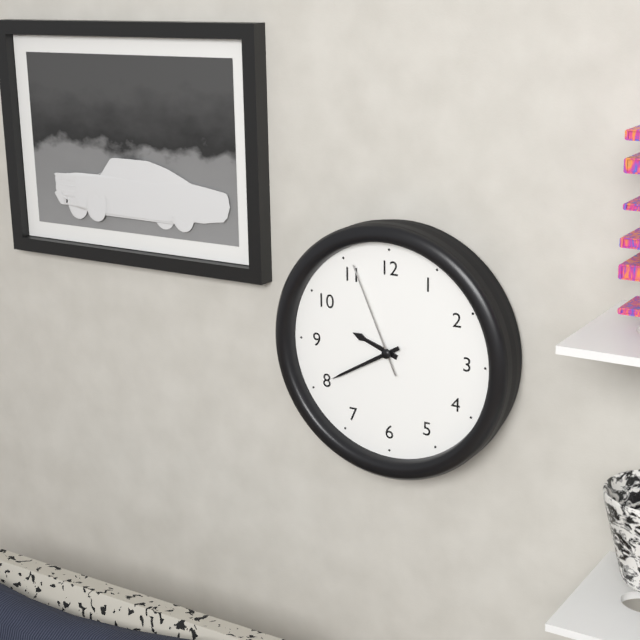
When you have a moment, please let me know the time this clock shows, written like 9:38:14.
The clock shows 9:40:56
